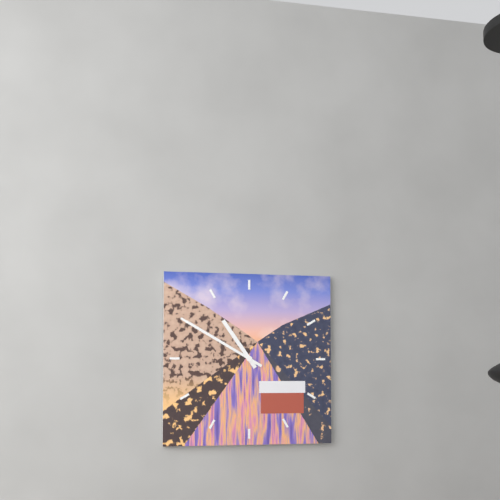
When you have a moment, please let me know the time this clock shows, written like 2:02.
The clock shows 10:50
